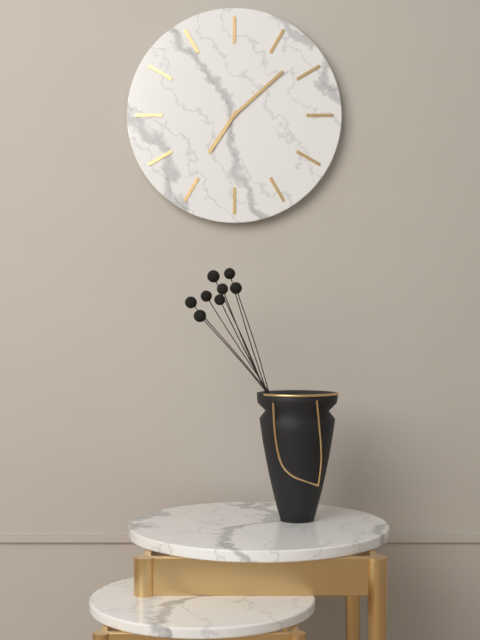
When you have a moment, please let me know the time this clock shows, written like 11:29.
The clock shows 7:08
